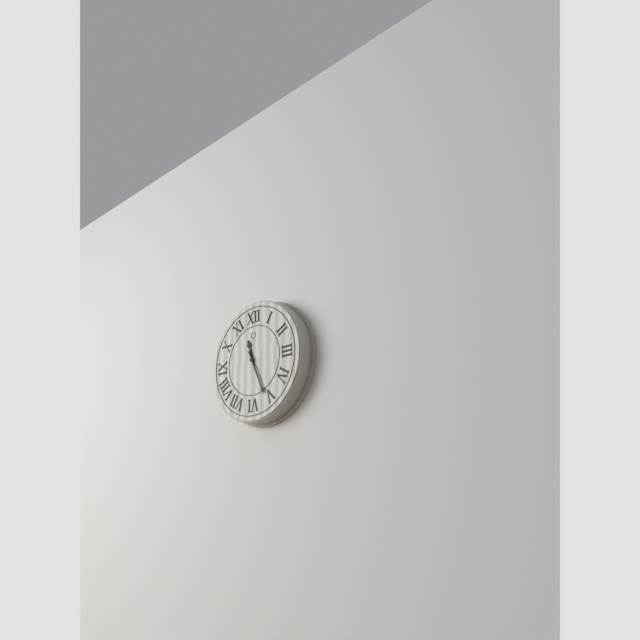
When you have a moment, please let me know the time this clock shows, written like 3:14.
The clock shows 11:26
